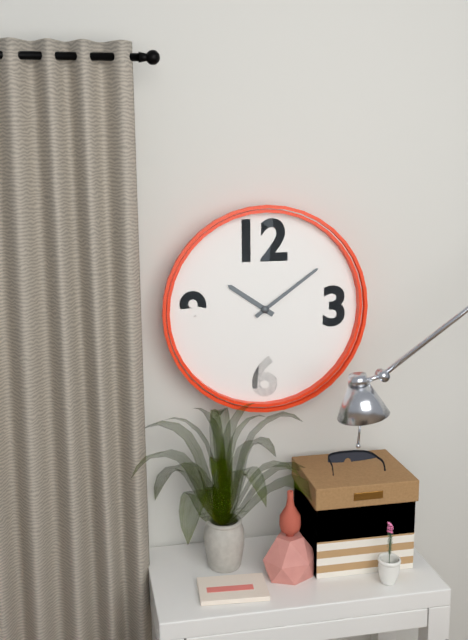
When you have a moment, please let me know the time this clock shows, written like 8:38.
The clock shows 10:09
